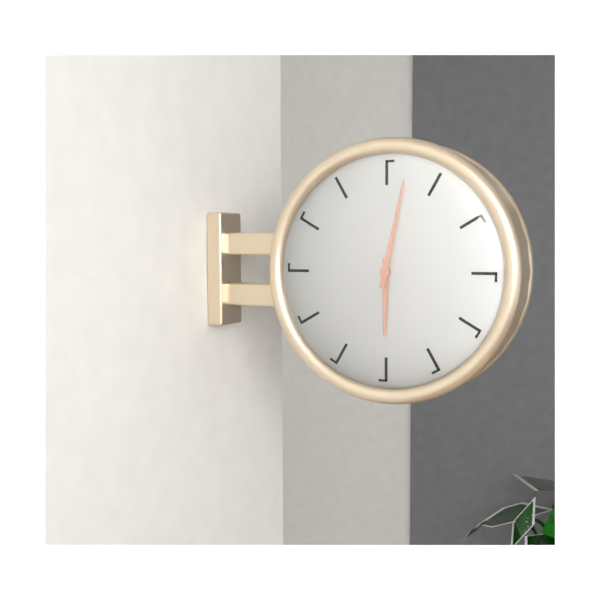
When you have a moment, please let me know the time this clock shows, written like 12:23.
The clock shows 6:02
